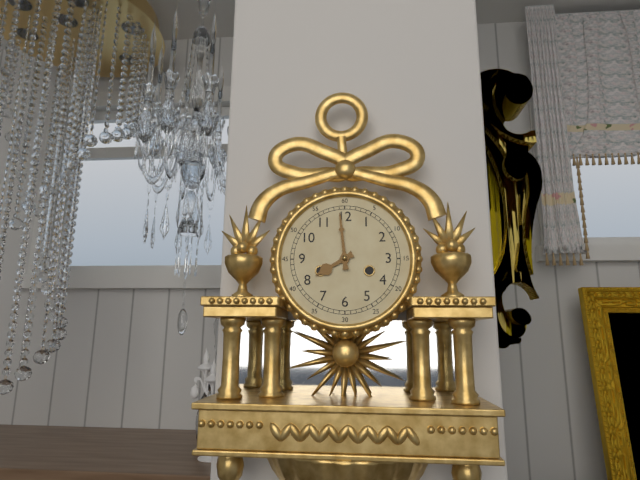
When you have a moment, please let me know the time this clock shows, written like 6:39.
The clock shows 7:59
